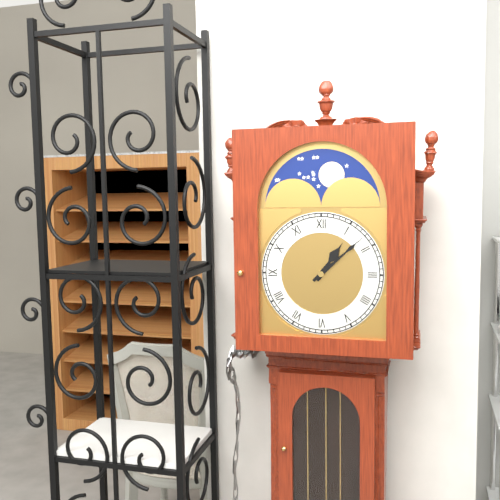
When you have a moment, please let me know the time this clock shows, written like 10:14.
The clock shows 1:08
